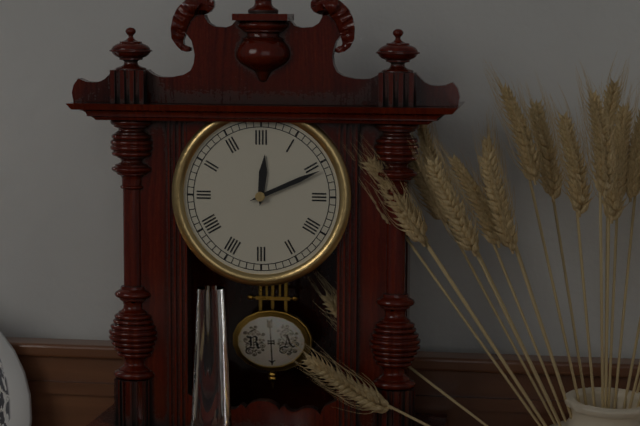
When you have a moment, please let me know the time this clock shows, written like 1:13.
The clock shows 12:11
